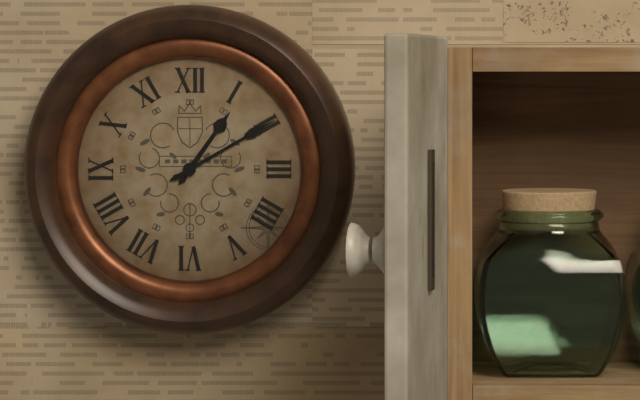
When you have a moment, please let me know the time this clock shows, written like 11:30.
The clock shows 1:10
